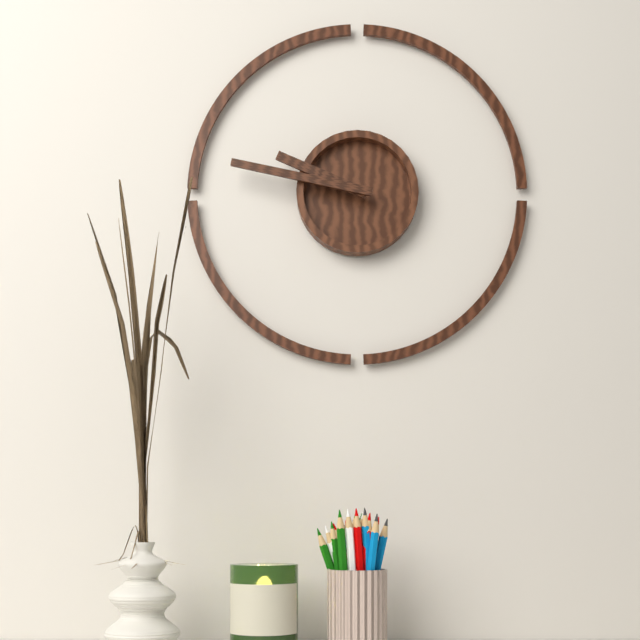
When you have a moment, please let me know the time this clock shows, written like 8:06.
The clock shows 9:47
